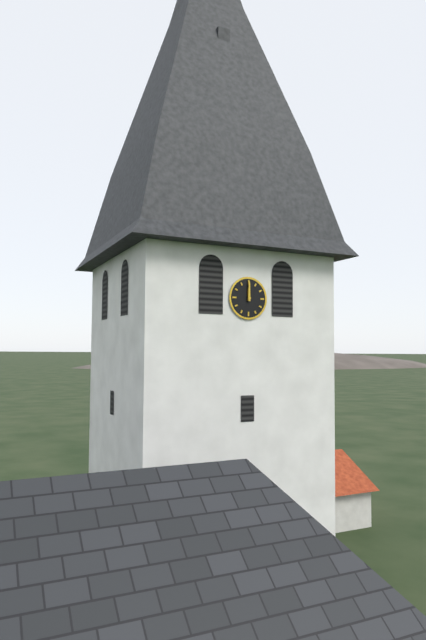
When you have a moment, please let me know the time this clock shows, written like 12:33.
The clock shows 12:00
